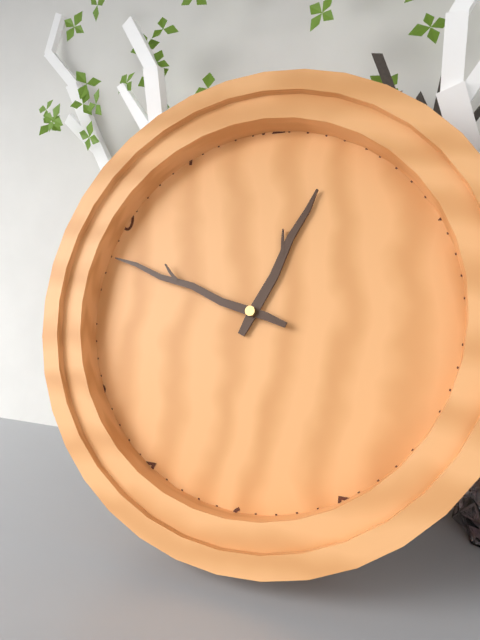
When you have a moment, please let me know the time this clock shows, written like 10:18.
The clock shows 12:48
